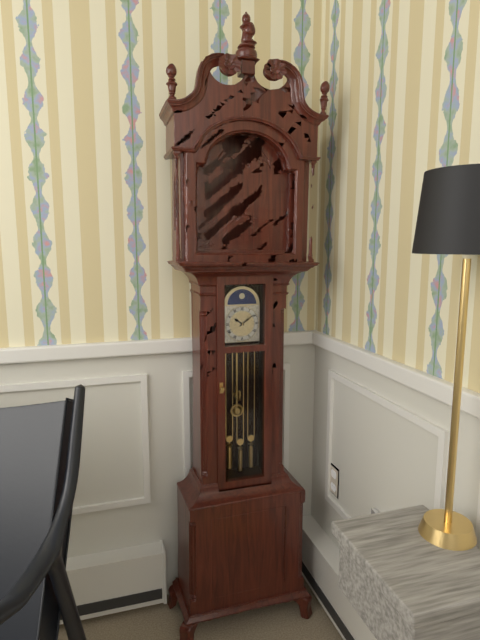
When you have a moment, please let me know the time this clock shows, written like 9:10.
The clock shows 10:09
